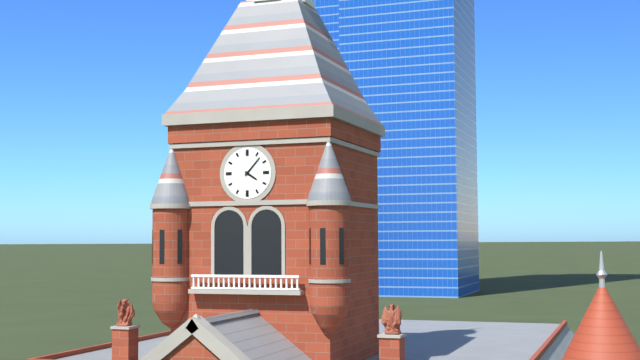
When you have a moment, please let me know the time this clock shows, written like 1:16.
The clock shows 4:07
